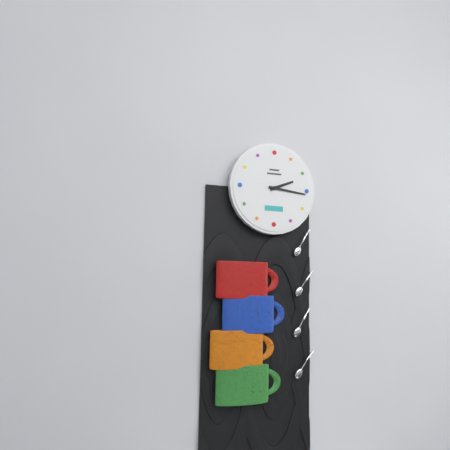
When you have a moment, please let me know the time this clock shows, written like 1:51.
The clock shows 2:16
